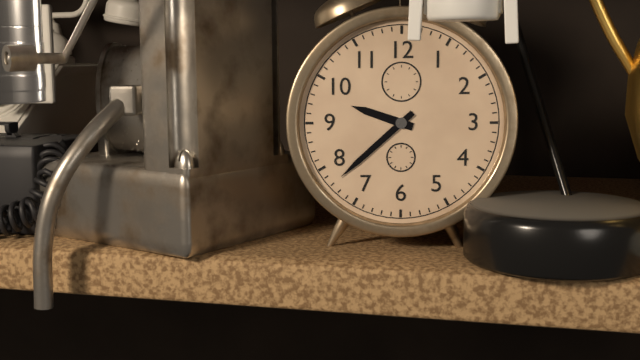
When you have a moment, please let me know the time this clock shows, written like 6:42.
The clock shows 9:38
